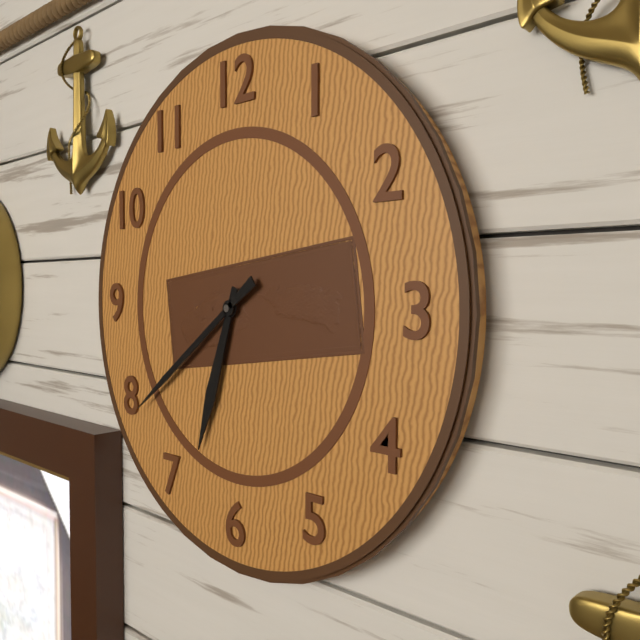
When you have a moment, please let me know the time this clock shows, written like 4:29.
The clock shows 6:39
